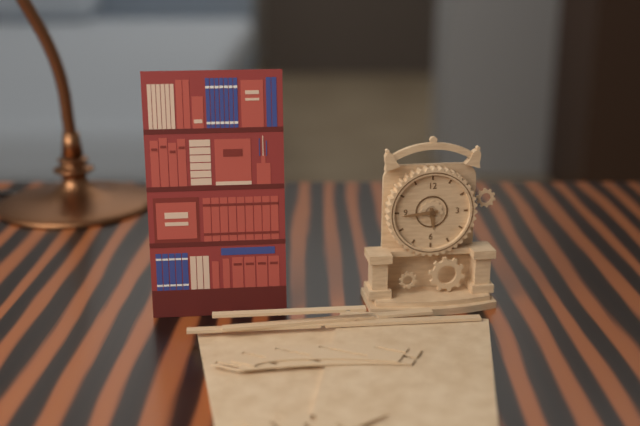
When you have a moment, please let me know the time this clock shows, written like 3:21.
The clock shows 5:44
